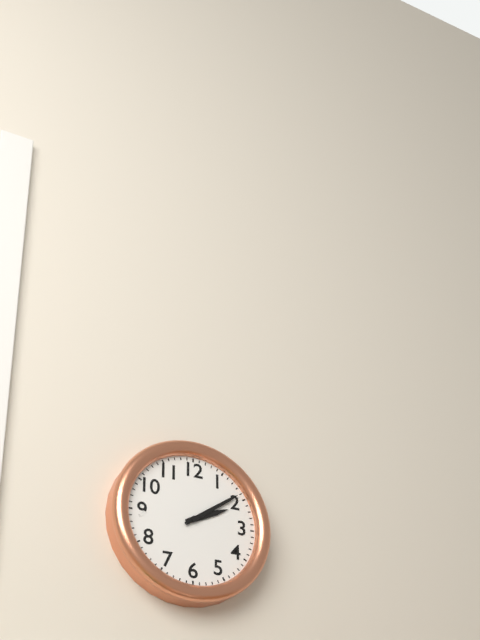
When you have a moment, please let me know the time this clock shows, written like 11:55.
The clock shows 2:09
